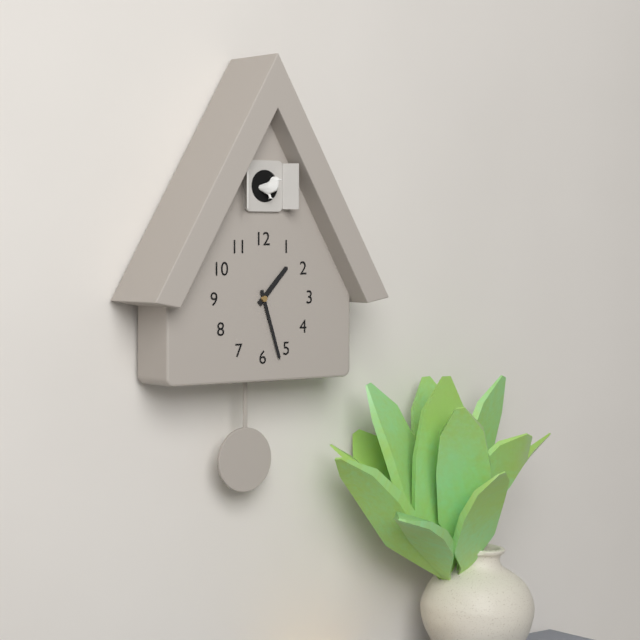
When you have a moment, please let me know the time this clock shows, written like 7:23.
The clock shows 1:27
